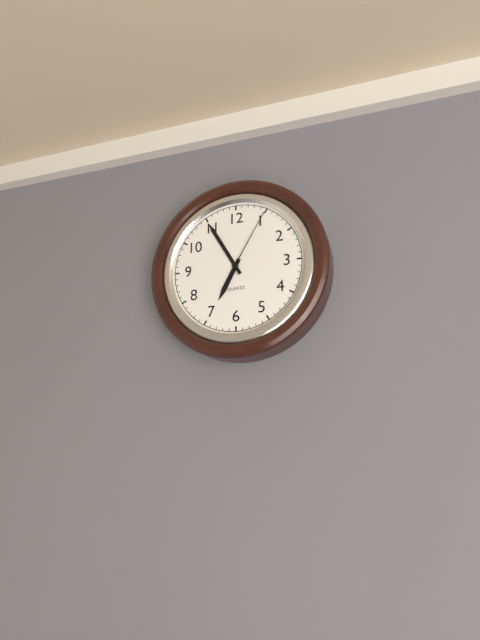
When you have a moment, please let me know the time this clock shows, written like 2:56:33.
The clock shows 6:55:05
